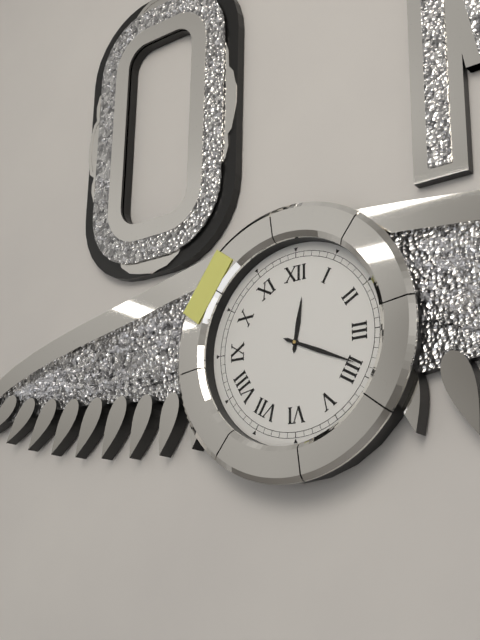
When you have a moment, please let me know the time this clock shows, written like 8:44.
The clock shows 12:19
